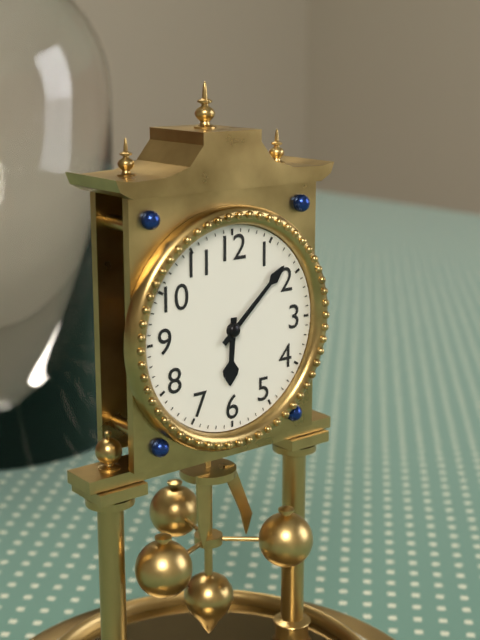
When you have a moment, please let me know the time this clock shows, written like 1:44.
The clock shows 6:08
